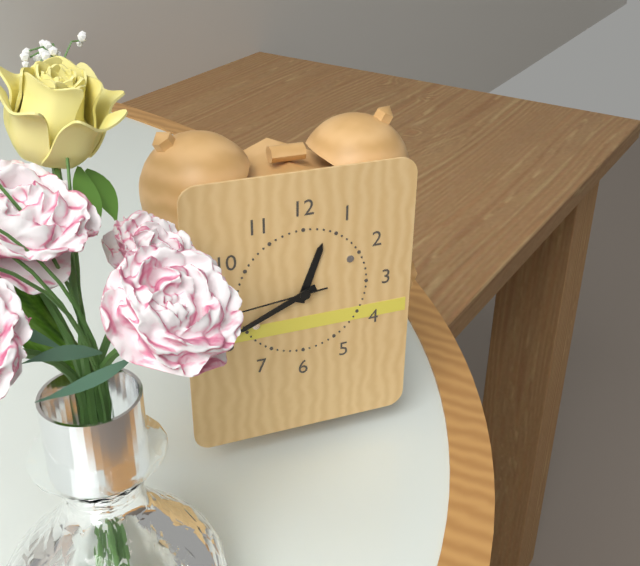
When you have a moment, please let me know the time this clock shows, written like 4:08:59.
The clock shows 12:41:44
